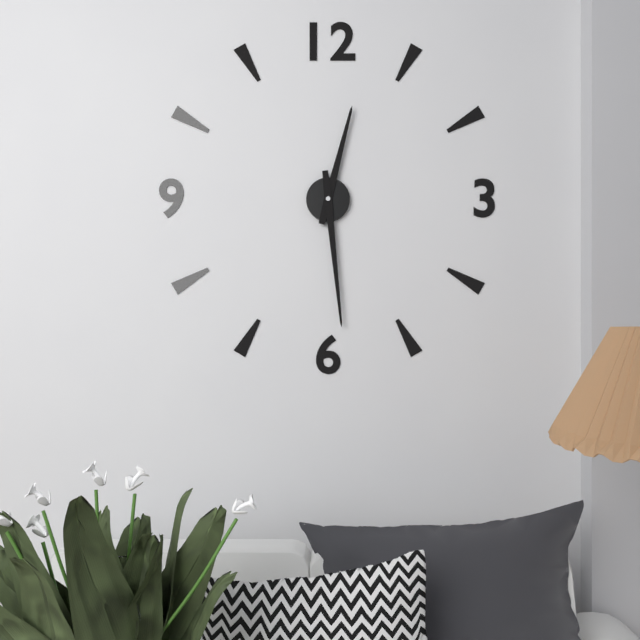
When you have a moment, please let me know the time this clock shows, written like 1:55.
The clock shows 12:29
